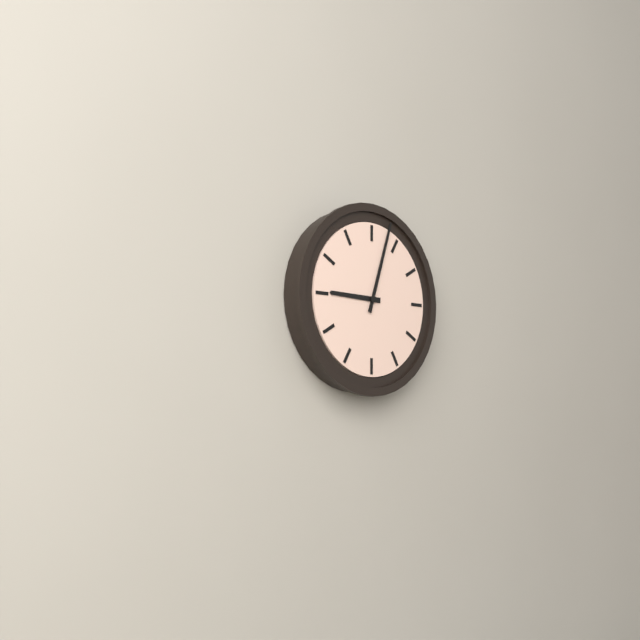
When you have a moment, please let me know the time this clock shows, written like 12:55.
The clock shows 9:03
